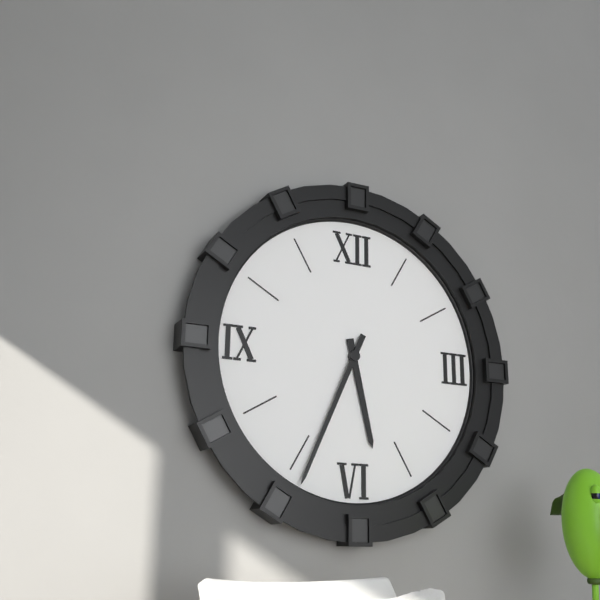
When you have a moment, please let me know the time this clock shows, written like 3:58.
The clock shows 5:34
